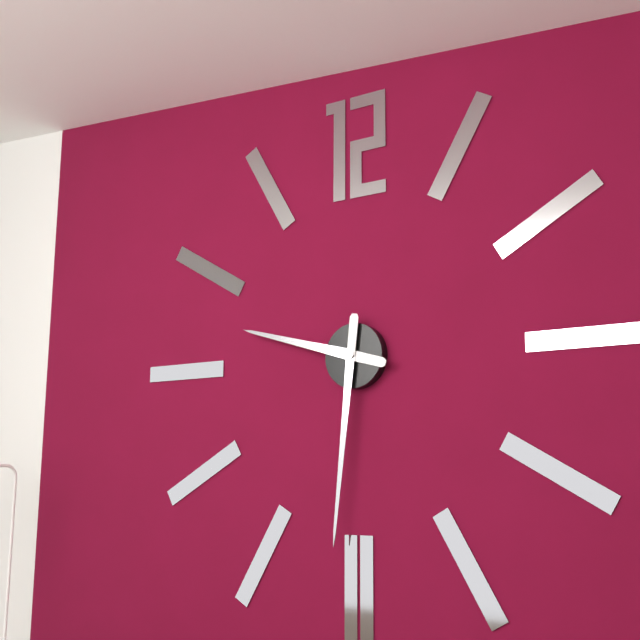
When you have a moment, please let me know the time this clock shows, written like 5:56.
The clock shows 9:31
